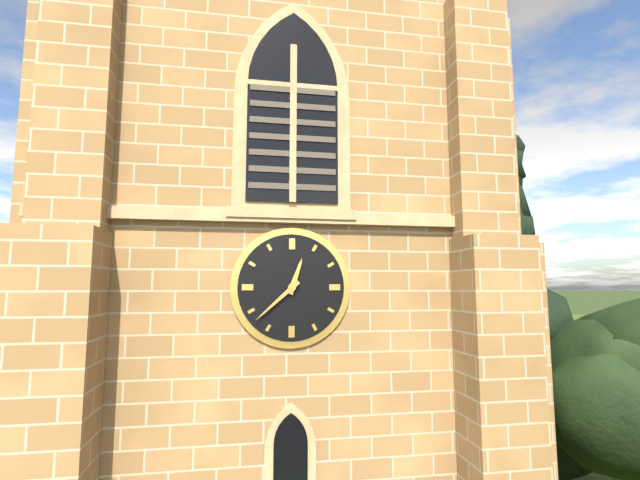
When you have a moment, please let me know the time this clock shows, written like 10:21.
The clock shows 12:38
